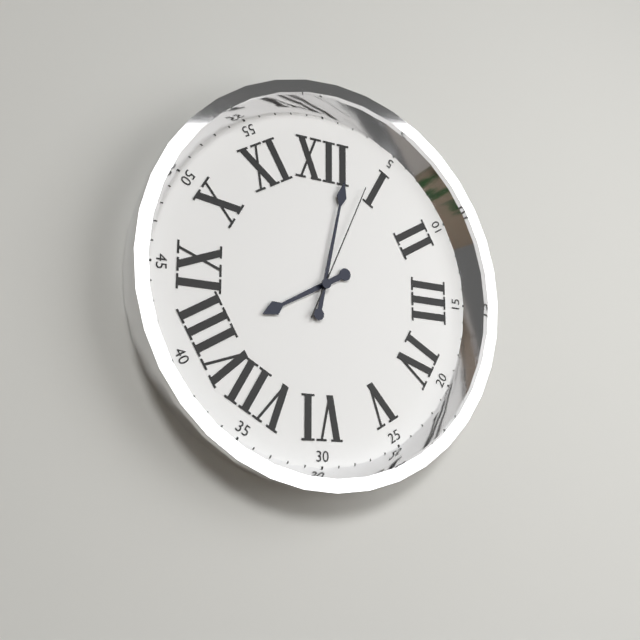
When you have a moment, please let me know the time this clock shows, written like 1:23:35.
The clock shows 8:02:04
